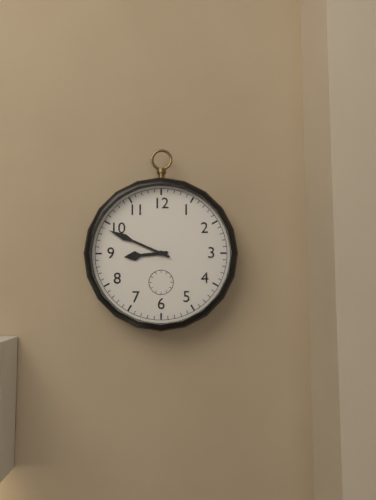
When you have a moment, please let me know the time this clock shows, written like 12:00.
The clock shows 8:49
